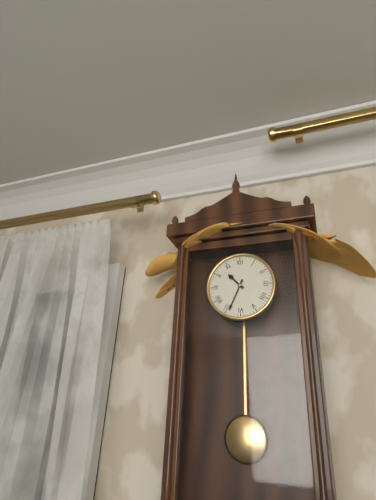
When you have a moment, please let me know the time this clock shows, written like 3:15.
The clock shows 10:34
